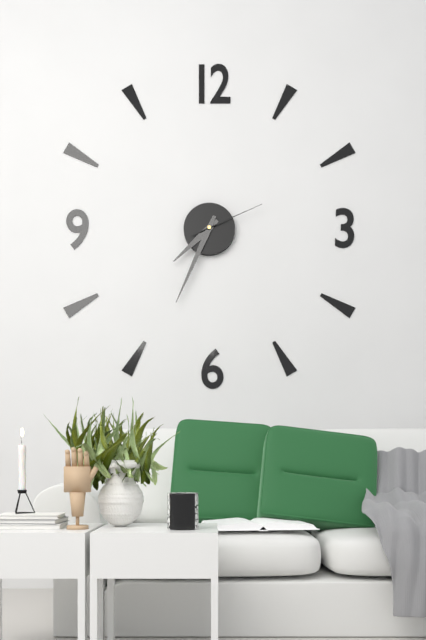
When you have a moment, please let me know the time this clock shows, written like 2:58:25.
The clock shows 7:34:11
